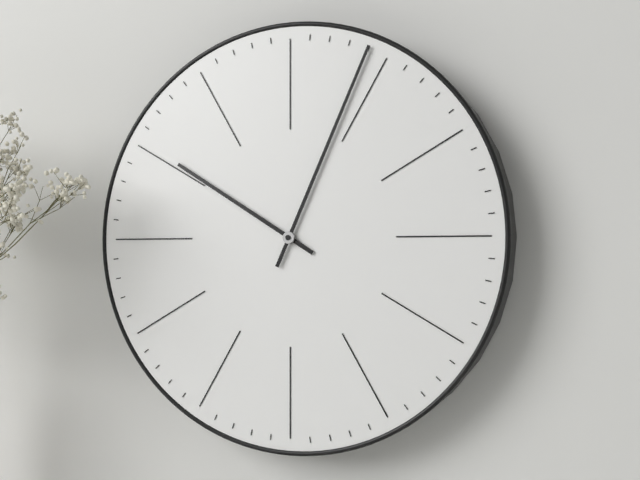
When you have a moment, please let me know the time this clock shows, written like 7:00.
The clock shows 10:04
